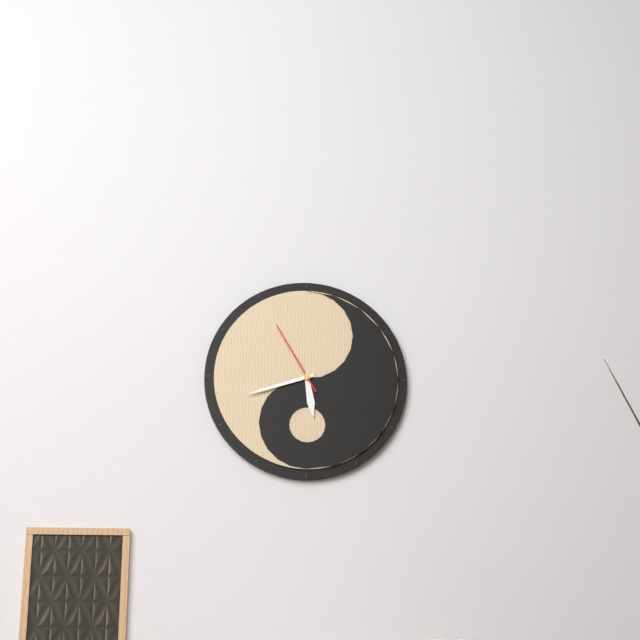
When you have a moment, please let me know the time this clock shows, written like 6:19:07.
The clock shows 5:42:55
